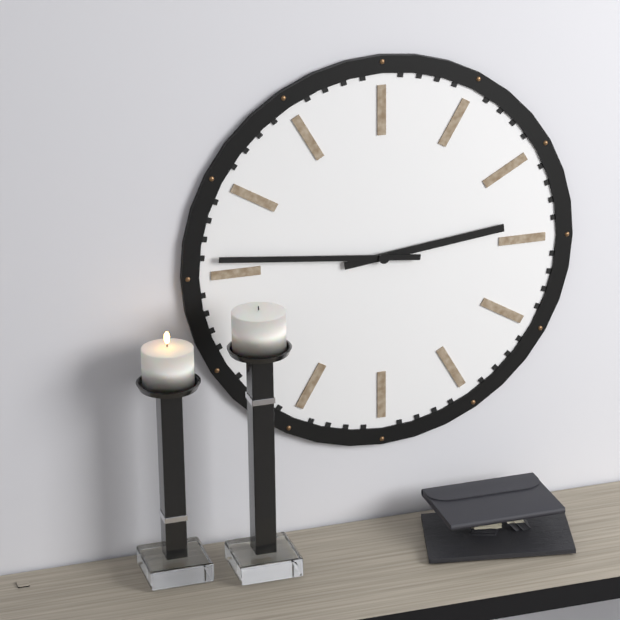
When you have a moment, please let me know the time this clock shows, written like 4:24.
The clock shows 2:46
